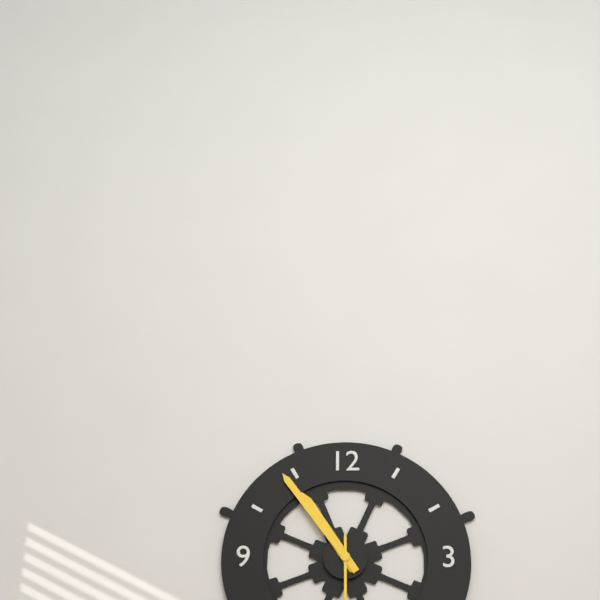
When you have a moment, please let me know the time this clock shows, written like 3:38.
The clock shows 10:54
